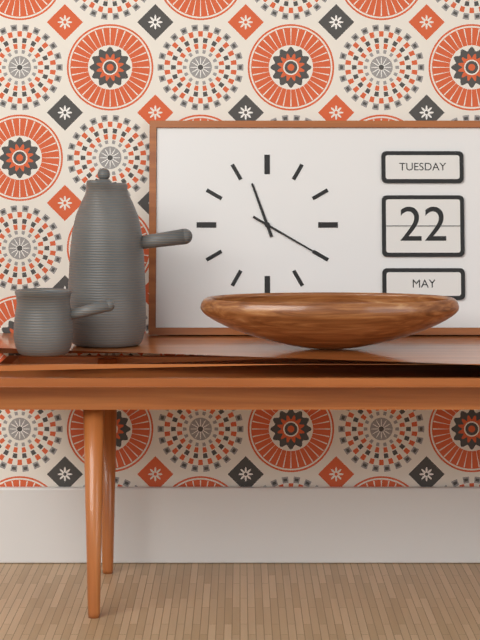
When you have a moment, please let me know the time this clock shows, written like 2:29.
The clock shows 11:20
